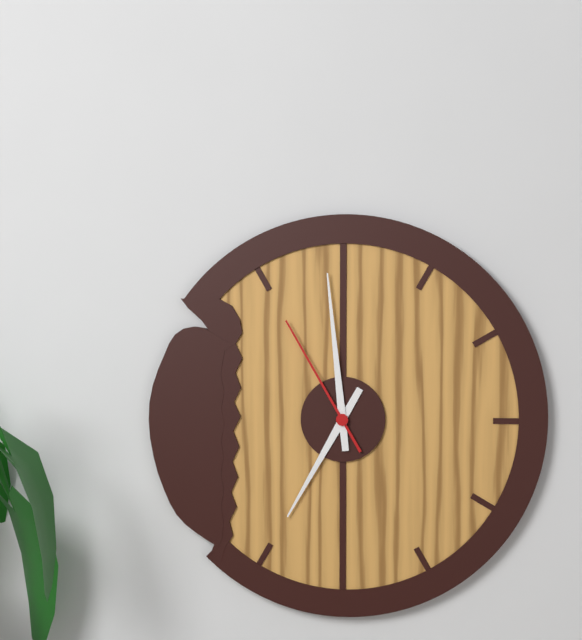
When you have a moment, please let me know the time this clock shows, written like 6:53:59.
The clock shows 6:59:55
